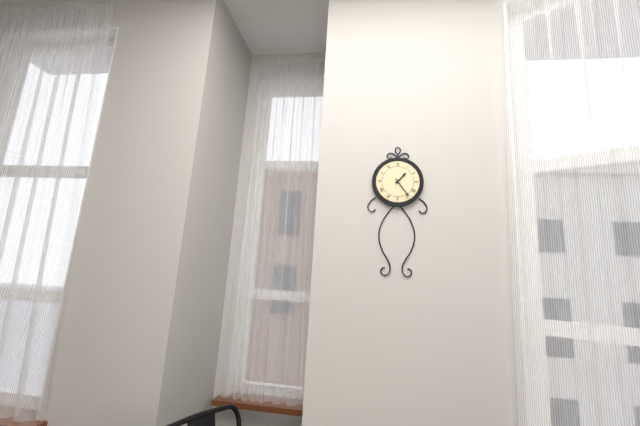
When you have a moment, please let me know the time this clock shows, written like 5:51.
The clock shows 1:24
